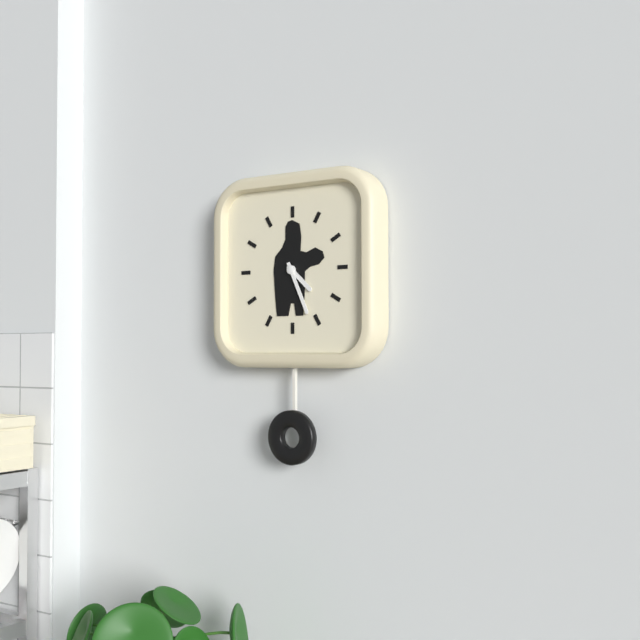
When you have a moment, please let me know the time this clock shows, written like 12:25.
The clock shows 4:26
